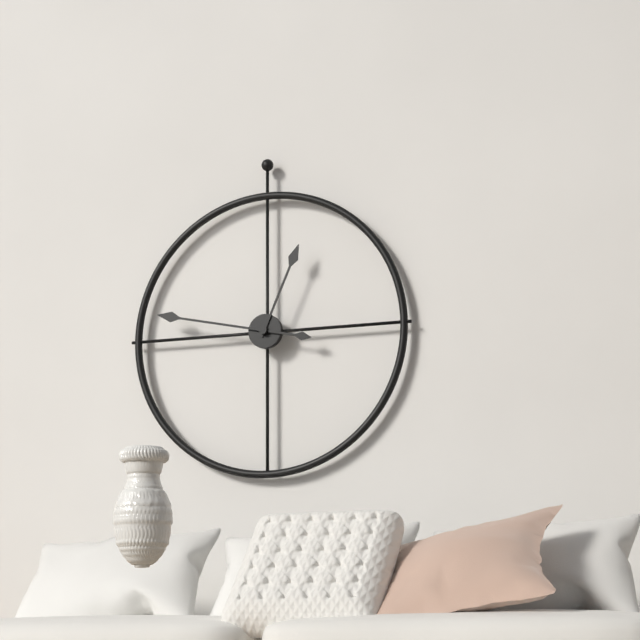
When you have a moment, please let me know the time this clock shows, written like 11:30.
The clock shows 12:47
